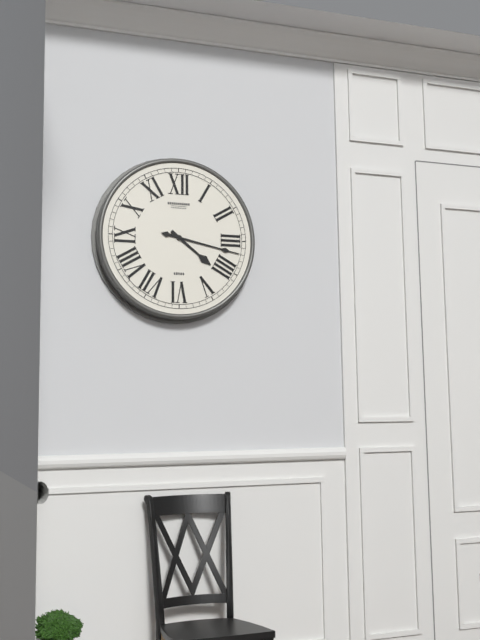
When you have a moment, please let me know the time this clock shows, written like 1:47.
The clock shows 4:17
